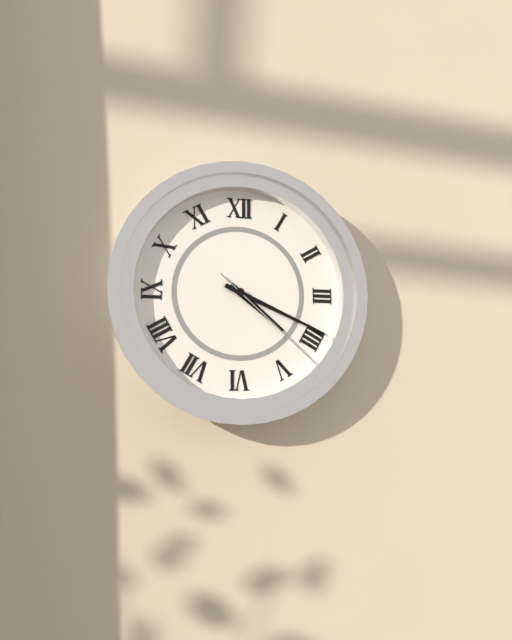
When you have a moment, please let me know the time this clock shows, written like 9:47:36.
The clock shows 4:19:22
